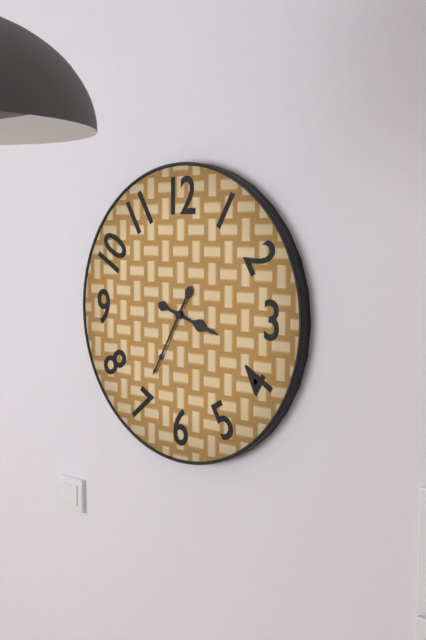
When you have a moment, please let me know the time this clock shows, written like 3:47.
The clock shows 3:35
